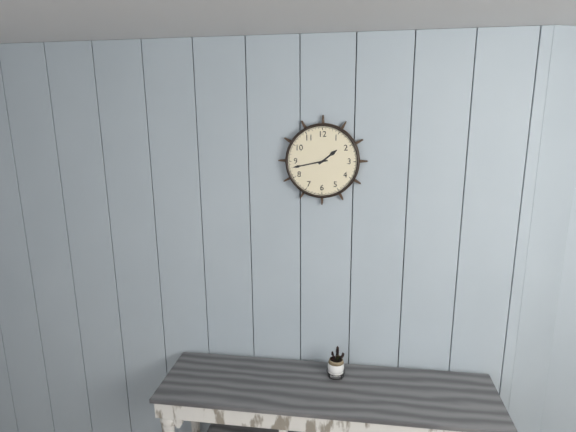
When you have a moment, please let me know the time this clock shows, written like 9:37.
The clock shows 1:43
